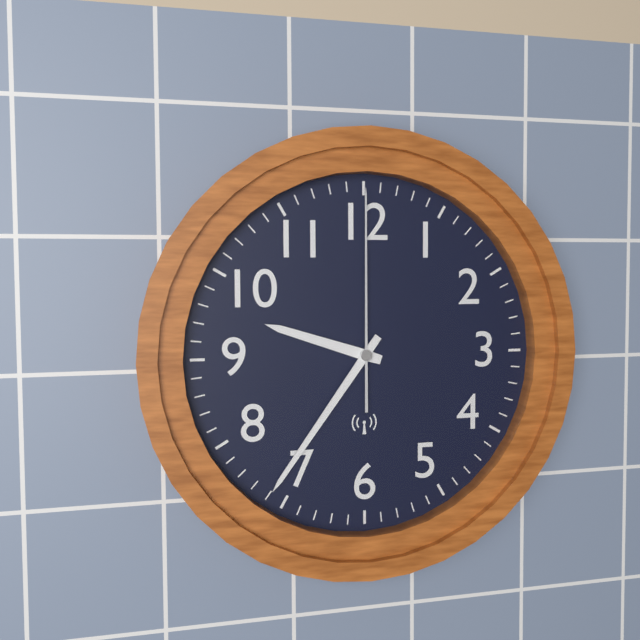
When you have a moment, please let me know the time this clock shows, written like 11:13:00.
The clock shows 9:36:00
